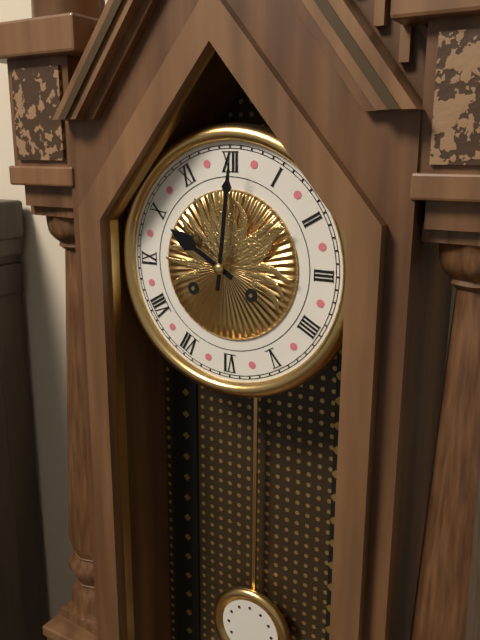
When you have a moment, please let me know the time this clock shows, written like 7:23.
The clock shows 10:01
